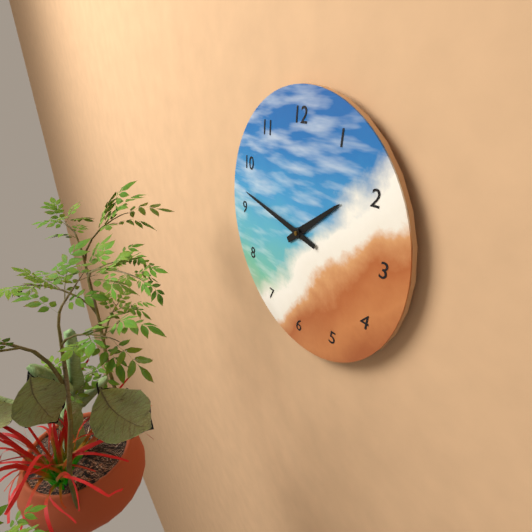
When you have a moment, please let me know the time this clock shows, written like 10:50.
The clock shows 1:47
